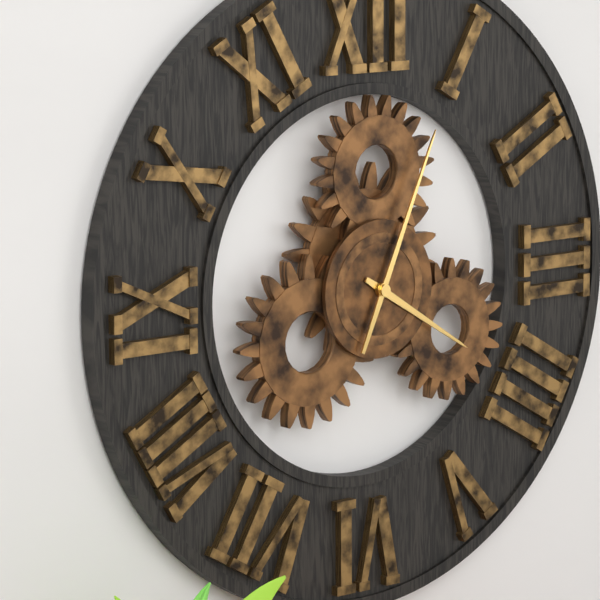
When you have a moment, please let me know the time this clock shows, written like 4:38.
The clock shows 4:04
